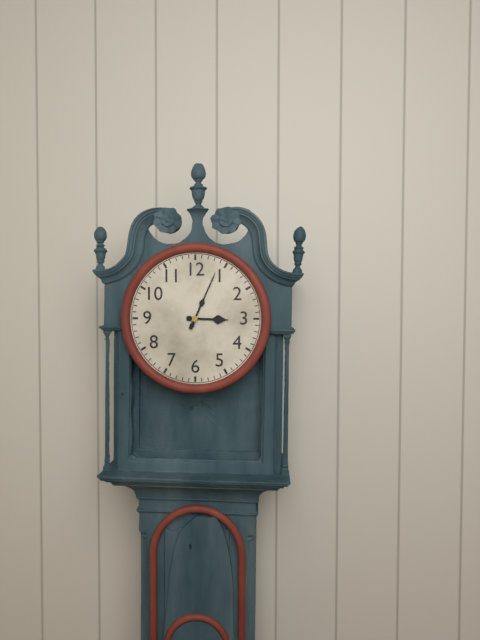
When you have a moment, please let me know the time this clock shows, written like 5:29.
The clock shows 3:04
